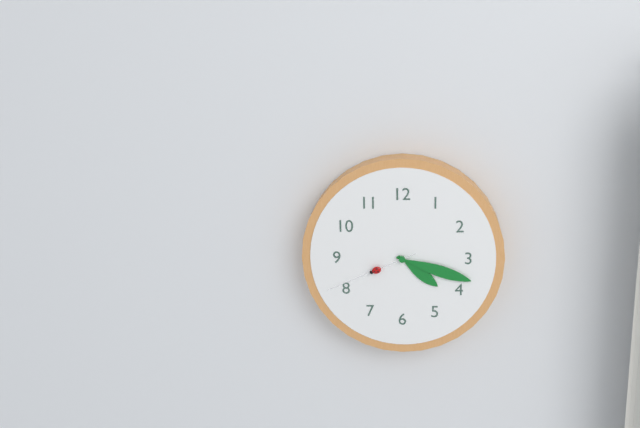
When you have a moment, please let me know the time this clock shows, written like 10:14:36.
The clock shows 4:18:41
